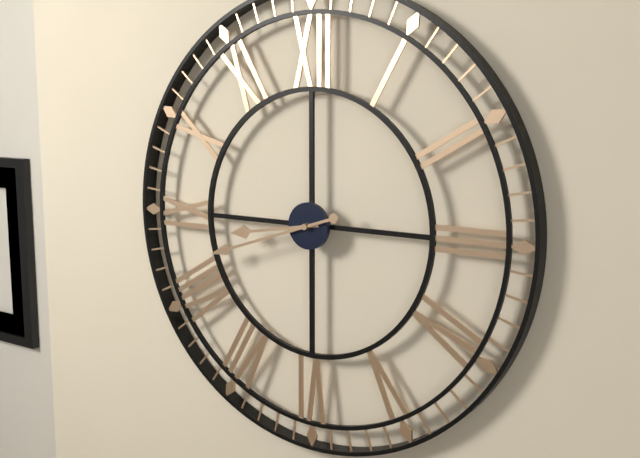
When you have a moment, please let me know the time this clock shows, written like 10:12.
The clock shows 8:42
